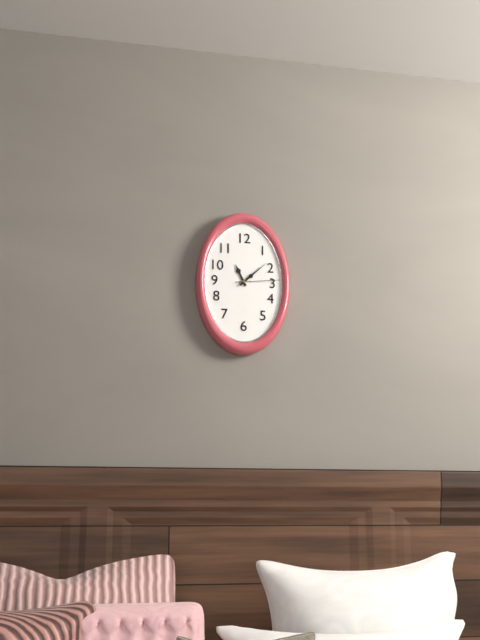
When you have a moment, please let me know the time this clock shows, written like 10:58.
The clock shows 11:08
